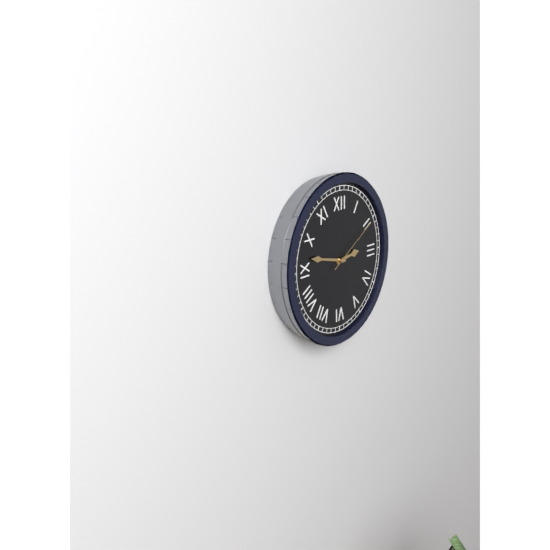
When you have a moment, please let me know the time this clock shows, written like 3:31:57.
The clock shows 2:47:10
